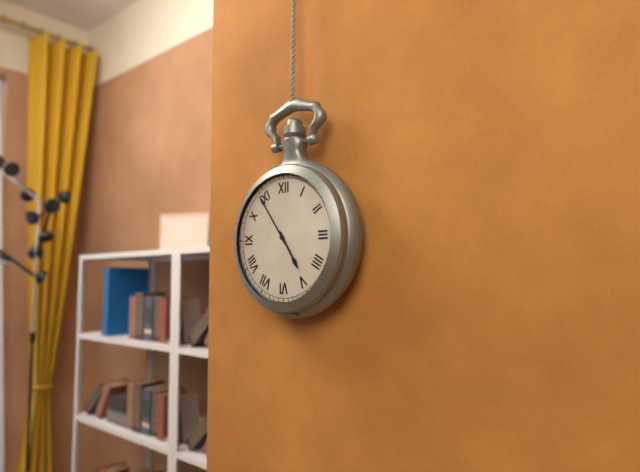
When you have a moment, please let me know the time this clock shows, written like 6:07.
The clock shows 4:54
